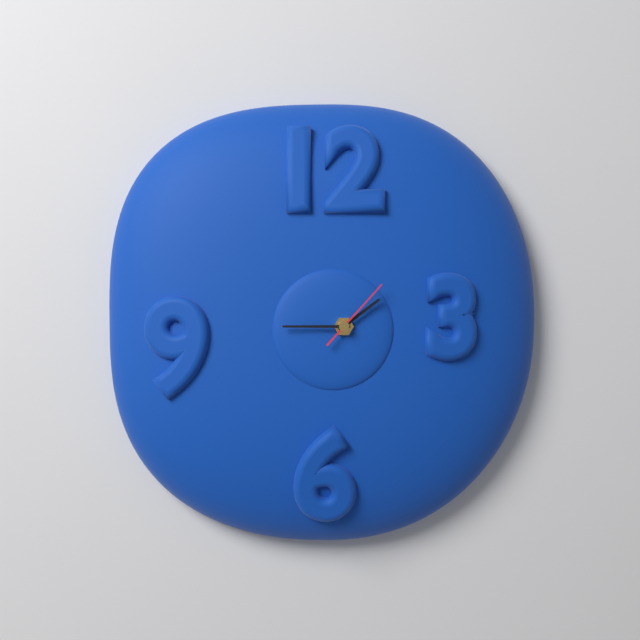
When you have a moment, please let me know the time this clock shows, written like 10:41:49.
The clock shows 1:45:07
